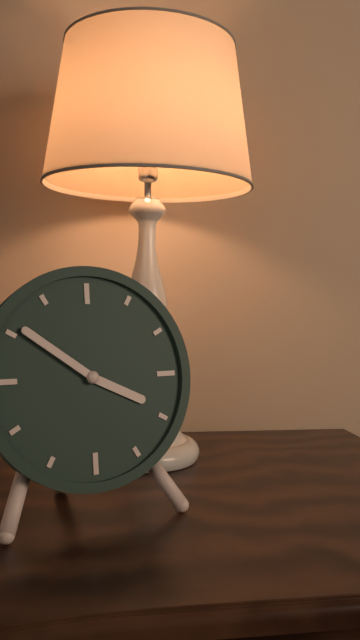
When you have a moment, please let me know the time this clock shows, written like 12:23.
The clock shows 3:51
